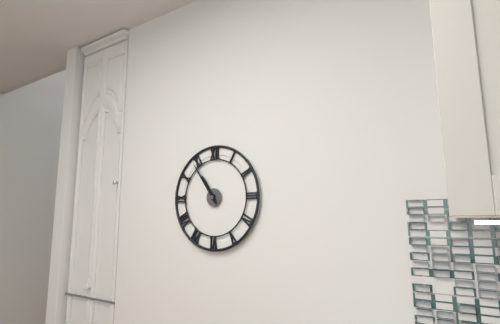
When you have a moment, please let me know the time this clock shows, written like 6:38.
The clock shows 10:54
